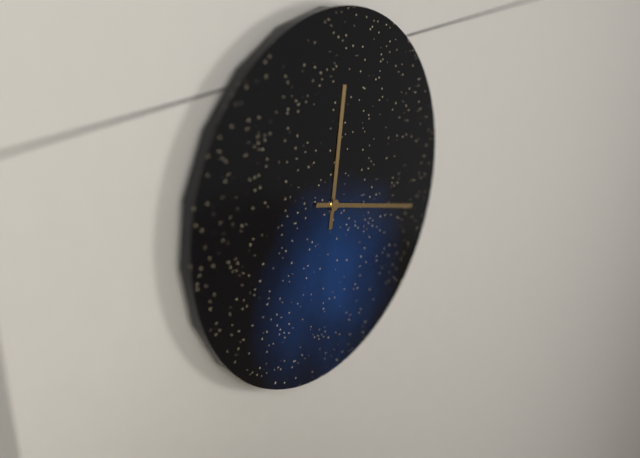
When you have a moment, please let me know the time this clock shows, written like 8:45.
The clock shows 12:18
